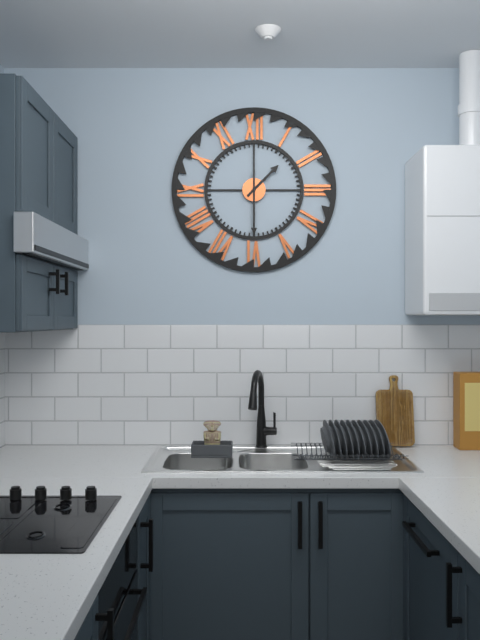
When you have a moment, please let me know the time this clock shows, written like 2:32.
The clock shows 1:30
